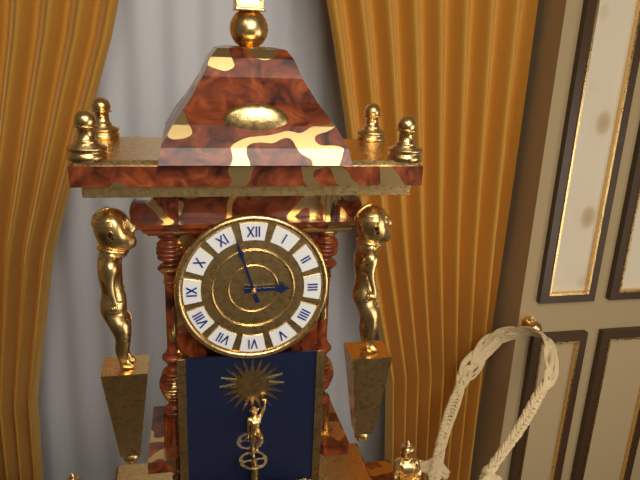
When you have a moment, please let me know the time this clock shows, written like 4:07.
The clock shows 2:57
